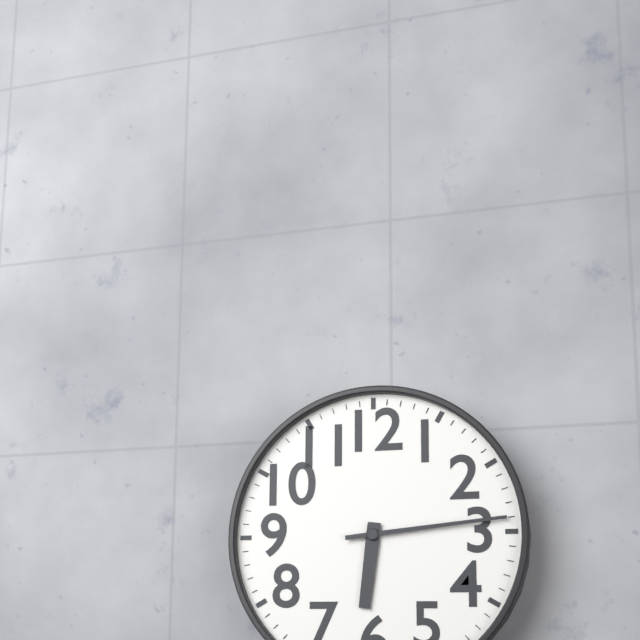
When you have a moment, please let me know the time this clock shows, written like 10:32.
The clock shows 6:14
